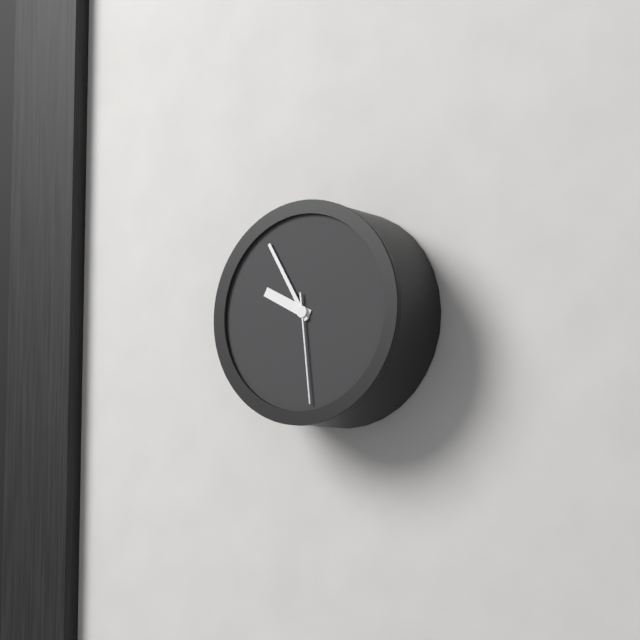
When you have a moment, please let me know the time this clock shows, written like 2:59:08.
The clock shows 9:55:29
